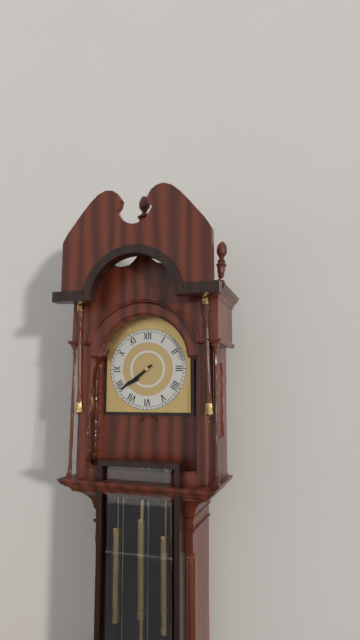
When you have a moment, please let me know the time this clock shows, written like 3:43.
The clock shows 7:39
